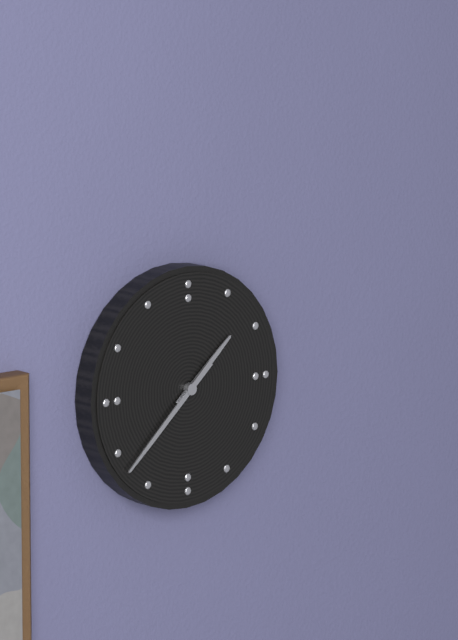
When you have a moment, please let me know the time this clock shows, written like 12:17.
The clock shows 1:38
